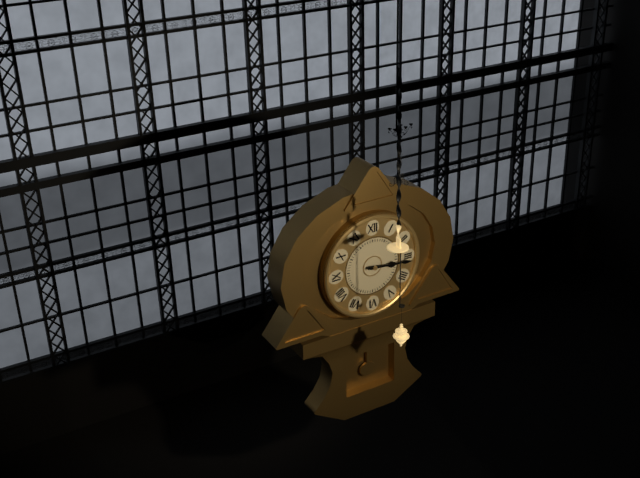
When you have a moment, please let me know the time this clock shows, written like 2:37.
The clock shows 3:16
